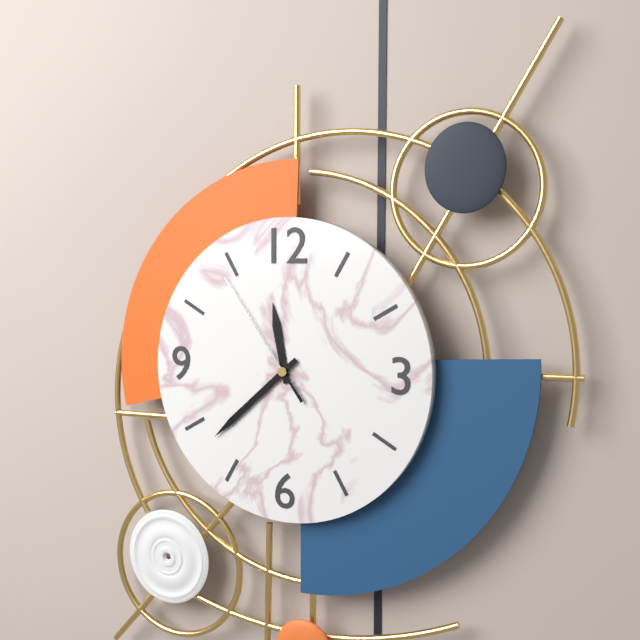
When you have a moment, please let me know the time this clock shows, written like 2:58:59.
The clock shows 11:38:54
